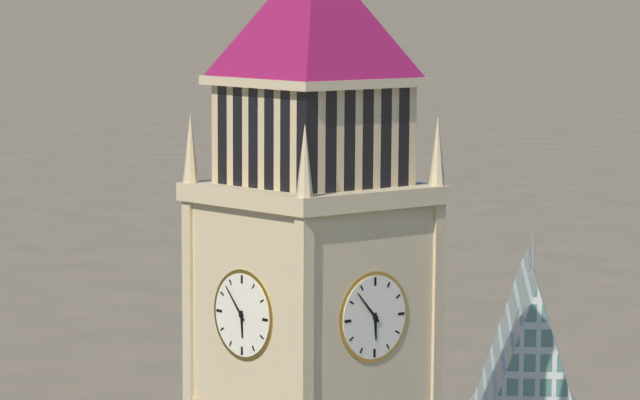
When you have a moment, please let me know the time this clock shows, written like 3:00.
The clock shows 5:53
